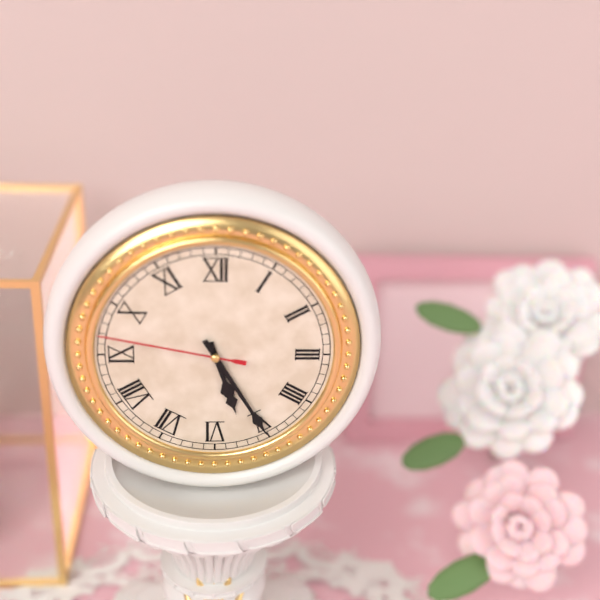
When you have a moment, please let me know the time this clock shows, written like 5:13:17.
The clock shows 5:25:47
